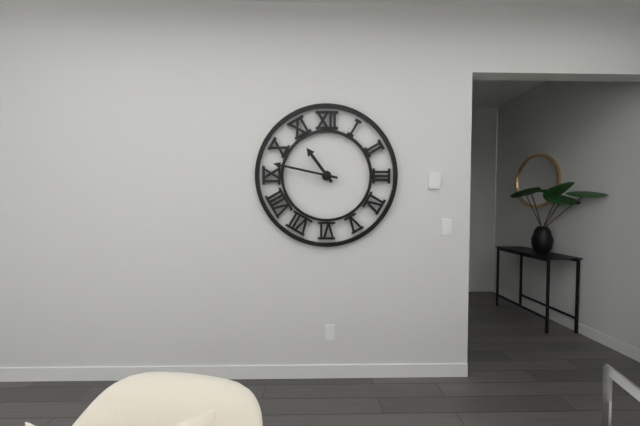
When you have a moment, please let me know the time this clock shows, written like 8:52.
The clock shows 10:47
